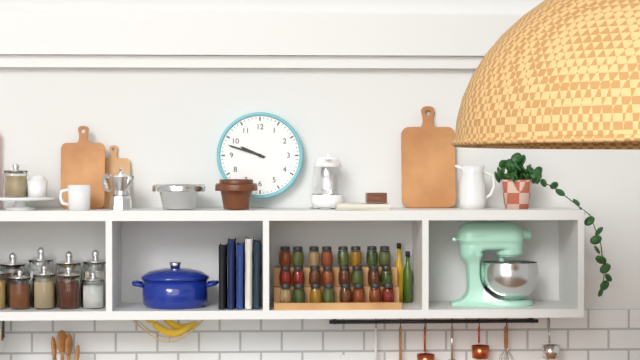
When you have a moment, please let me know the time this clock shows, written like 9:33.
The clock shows 9:48
